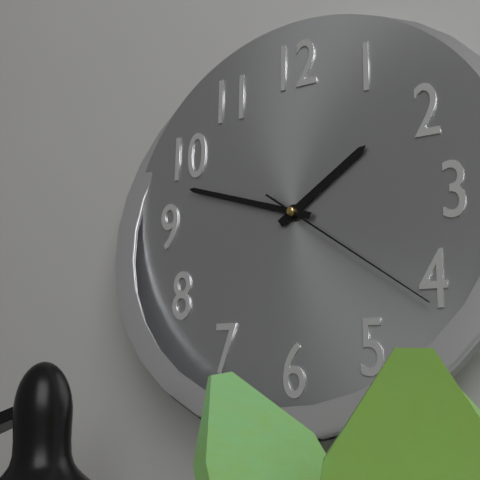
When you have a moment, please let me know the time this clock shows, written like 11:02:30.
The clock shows 1:48:21
